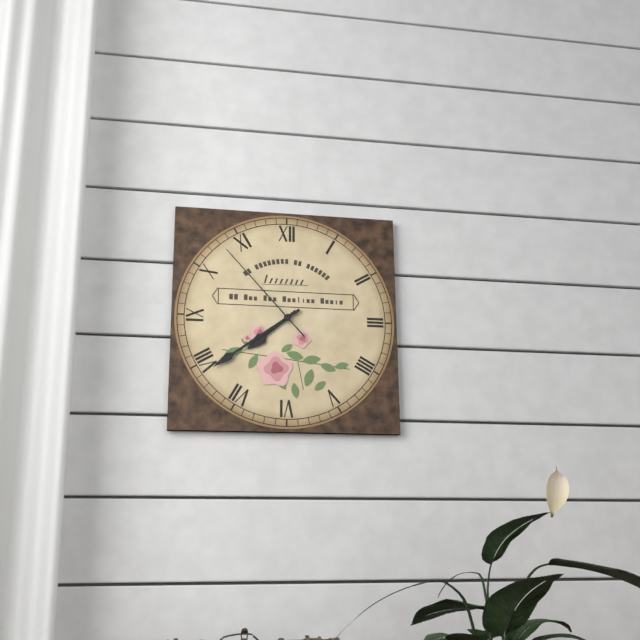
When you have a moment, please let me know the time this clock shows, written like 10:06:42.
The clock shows 7:39:53
